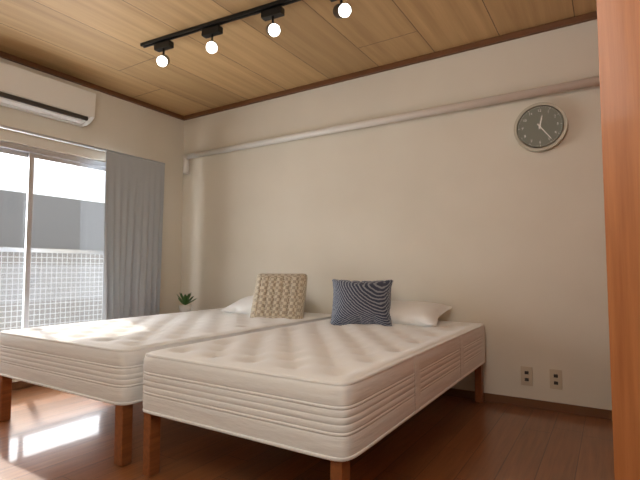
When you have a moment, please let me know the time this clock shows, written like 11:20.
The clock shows 12:24
